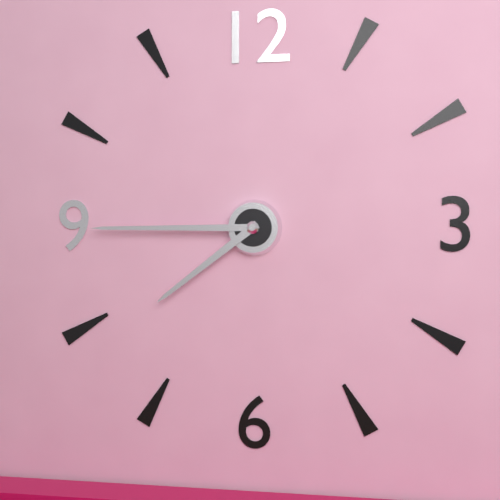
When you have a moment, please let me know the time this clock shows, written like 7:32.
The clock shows 7:45
